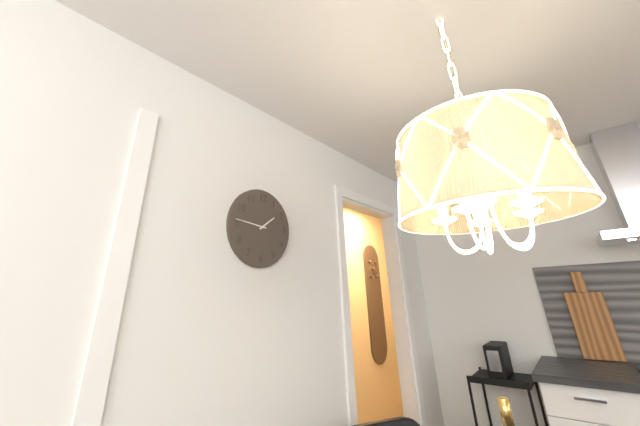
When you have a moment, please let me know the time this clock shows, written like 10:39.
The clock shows 1:46
